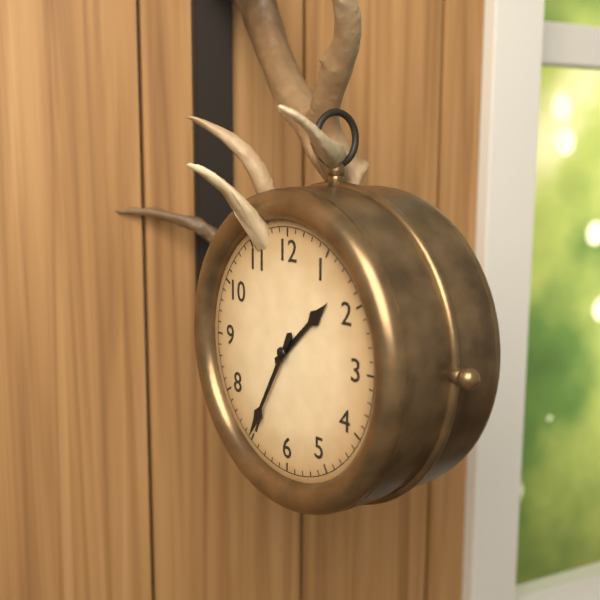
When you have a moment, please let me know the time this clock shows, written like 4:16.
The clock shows 1:35
